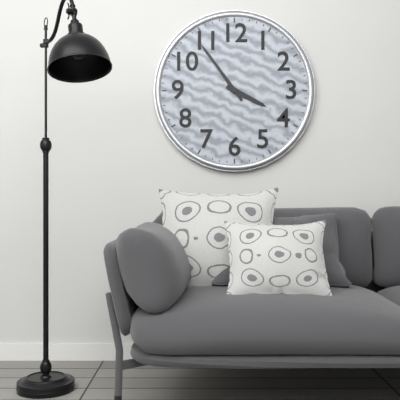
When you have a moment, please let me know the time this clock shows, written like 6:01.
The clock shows 3:54
